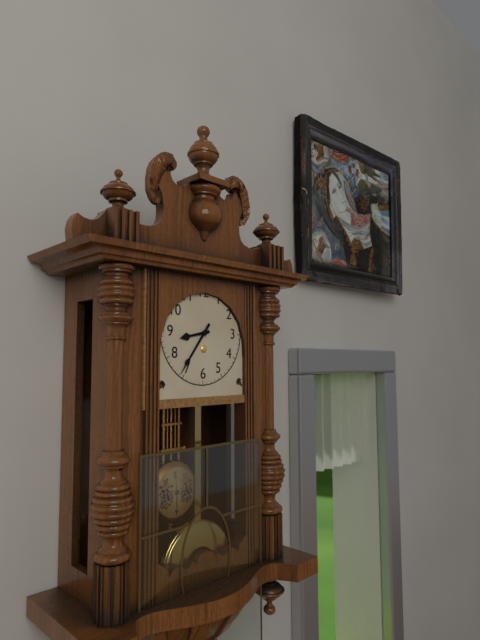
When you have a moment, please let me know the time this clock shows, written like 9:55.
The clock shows 8:36
